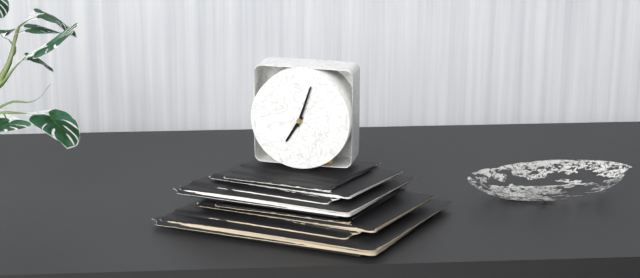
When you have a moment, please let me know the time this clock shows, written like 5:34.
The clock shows 7:03
